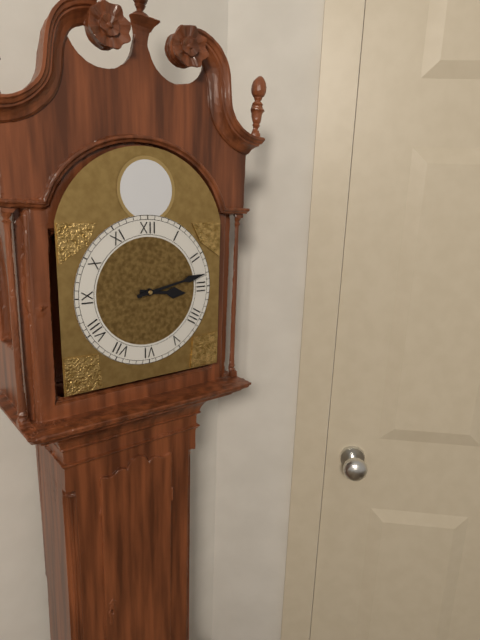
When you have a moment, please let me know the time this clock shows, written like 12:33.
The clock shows 3:13
